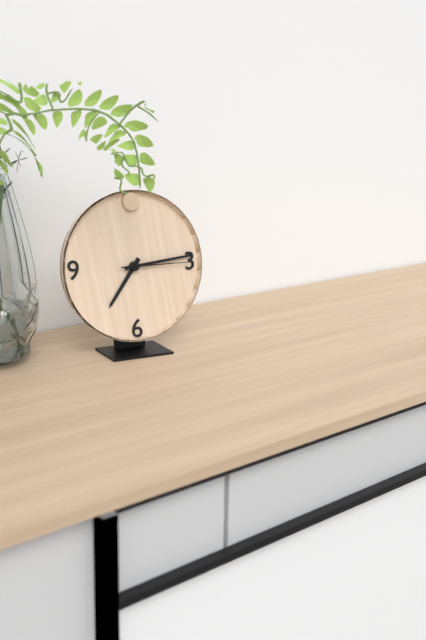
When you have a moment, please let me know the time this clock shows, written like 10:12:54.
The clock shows 7:14:15
